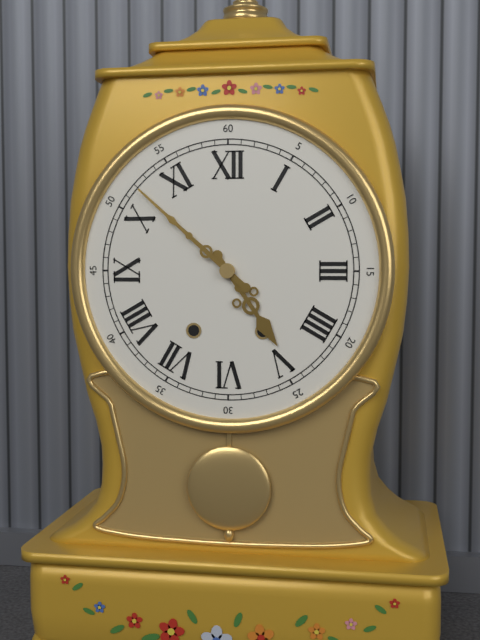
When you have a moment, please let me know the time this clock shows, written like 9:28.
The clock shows 4:52
